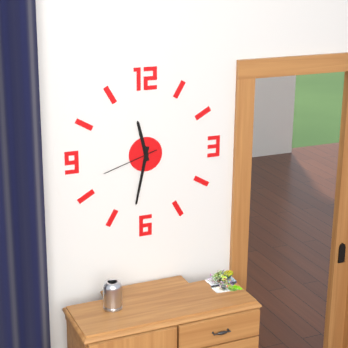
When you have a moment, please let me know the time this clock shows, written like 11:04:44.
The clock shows 11:32:42
